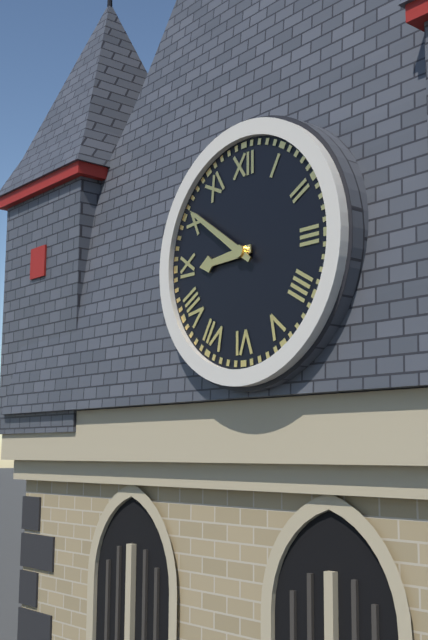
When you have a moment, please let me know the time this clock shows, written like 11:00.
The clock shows 8:51
